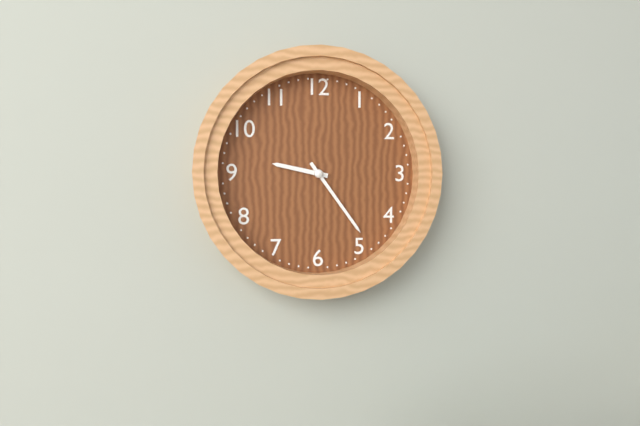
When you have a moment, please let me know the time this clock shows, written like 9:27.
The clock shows 9:24
